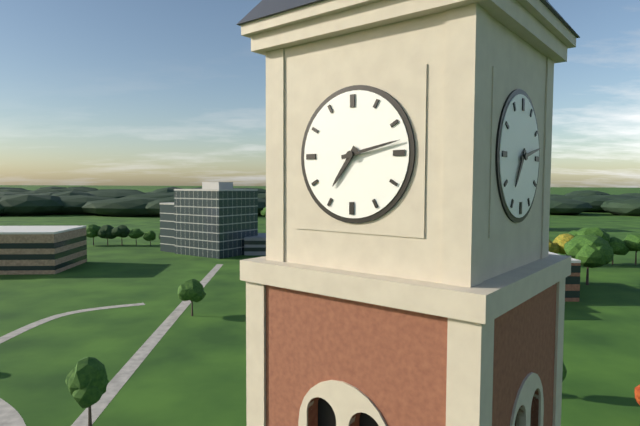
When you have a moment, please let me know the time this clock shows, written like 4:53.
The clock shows 7:13
